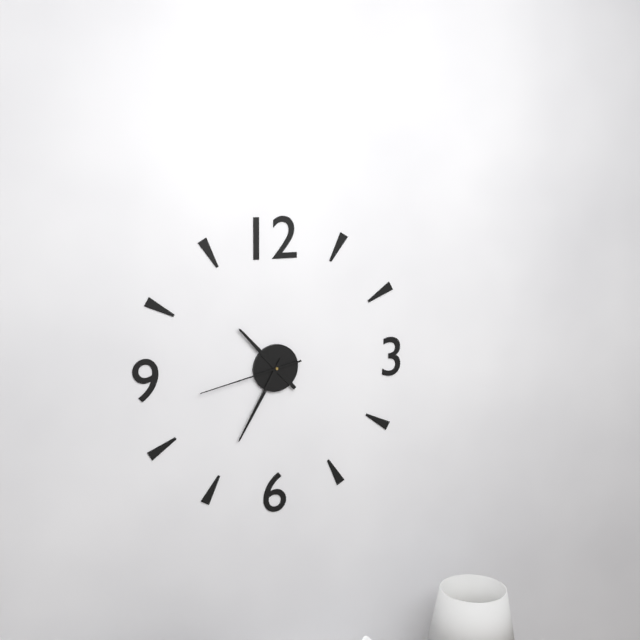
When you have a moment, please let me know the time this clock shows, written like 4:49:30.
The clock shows 10:35:43
